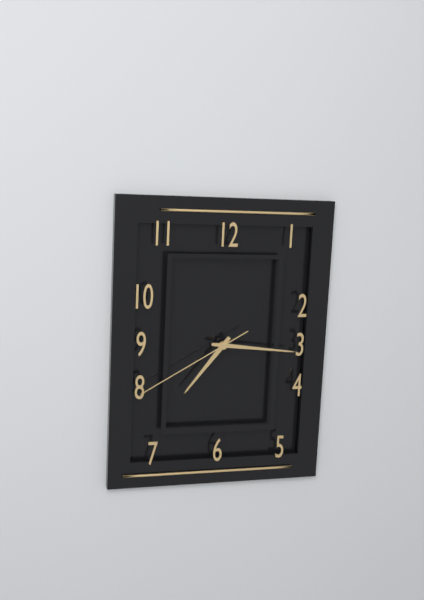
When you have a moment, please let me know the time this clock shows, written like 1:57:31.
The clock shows 7:16:40
